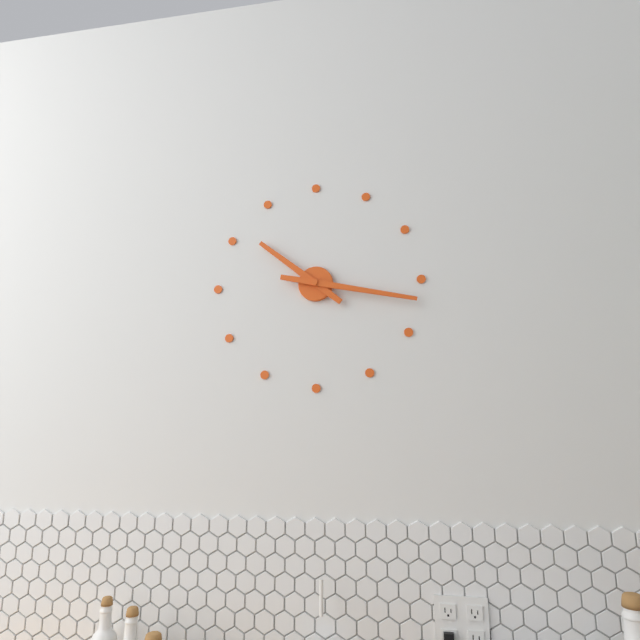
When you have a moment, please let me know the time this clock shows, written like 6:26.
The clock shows 10:17
